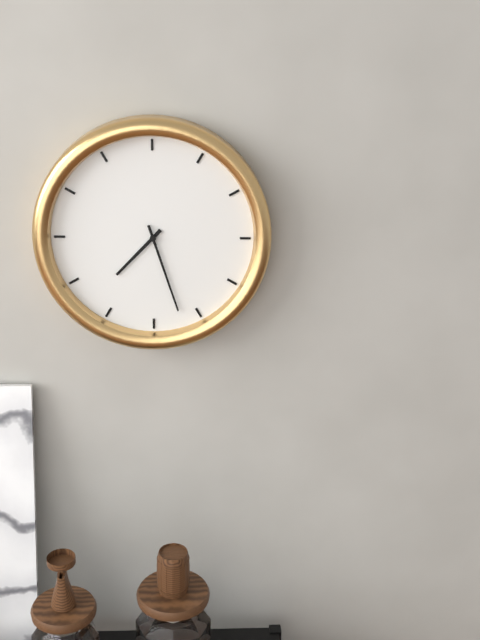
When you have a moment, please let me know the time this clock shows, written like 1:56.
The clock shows 7:27
